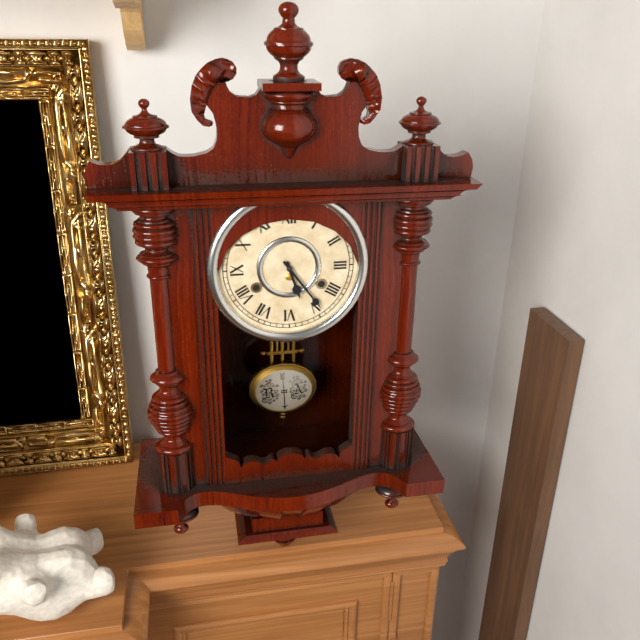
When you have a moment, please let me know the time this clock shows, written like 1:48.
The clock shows 5:24
